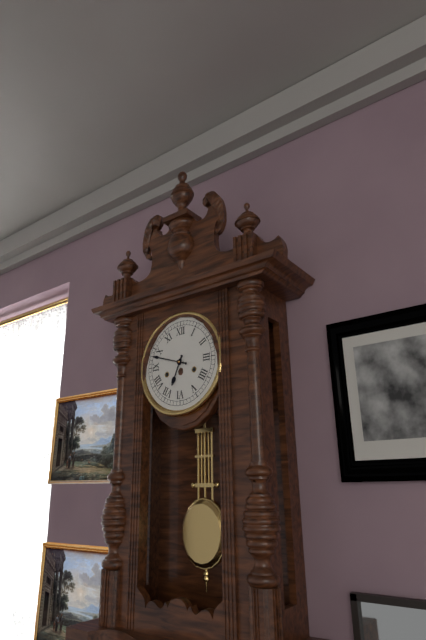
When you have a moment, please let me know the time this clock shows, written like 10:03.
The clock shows 6:48
